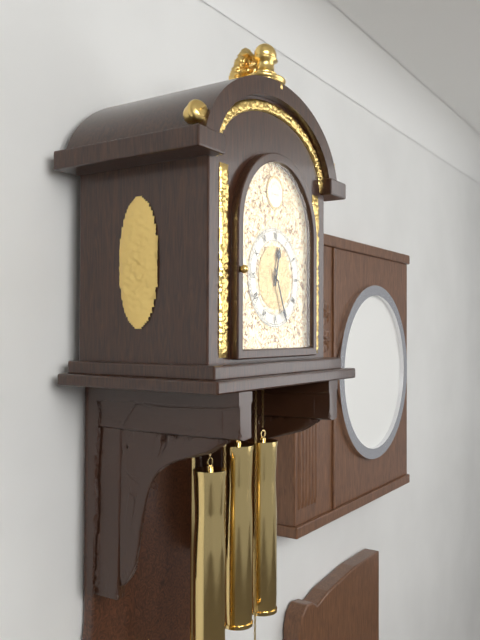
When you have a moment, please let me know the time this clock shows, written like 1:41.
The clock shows 12:26
